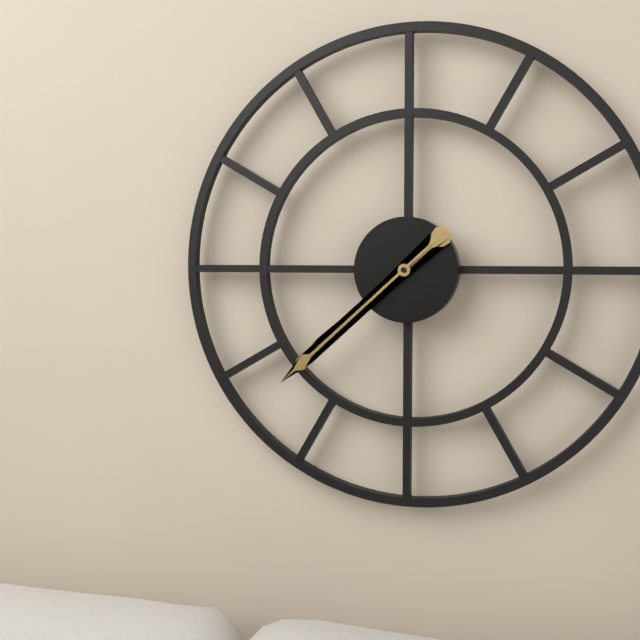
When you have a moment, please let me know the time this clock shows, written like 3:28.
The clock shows 7:38
